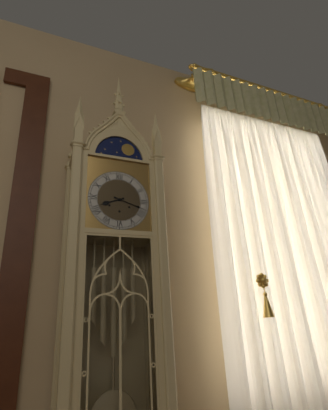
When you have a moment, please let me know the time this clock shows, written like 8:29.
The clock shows 8:18
